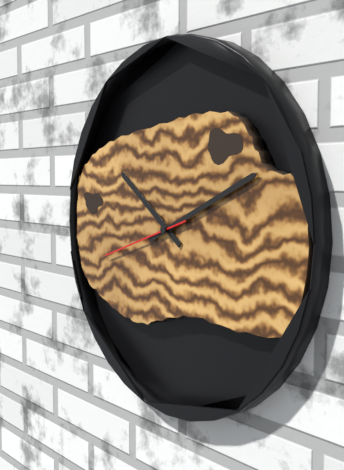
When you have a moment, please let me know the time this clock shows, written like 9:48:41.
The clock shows 10:11:42
